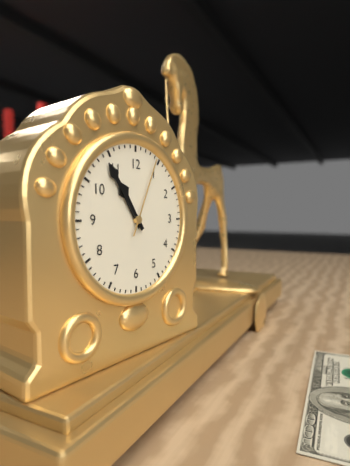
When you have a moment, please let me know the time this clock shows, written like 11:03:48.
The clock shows 10:54:04
